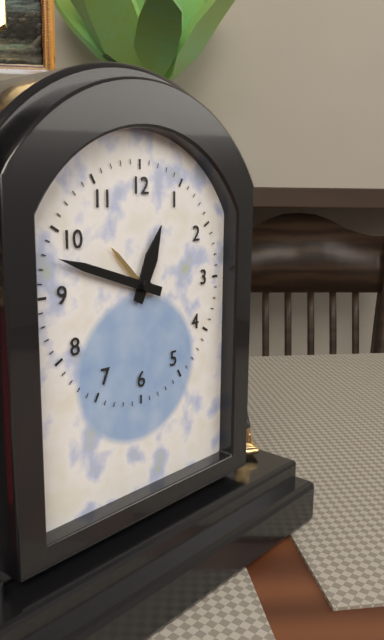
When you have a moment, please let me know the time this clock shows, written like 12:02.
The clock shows 12:48
